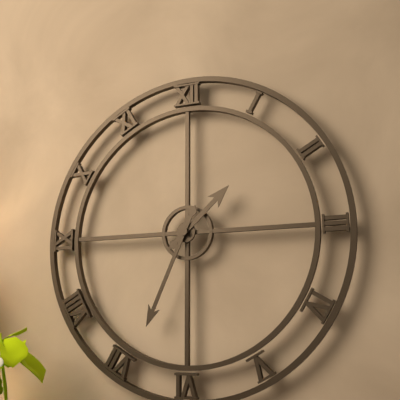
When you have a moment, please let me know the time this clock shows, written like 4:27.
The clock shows 1:34
